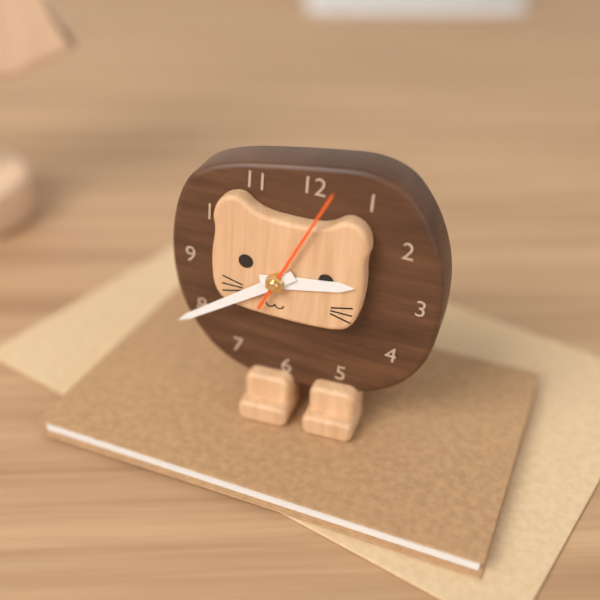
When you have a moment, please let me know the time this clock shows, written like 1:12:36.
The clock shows 2:39:04
